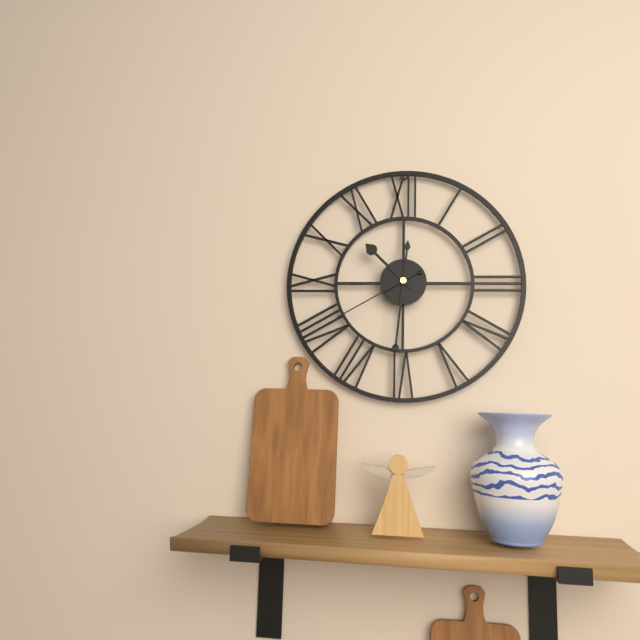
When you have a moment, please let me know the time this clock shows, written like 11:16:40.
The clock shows 10:31:40
